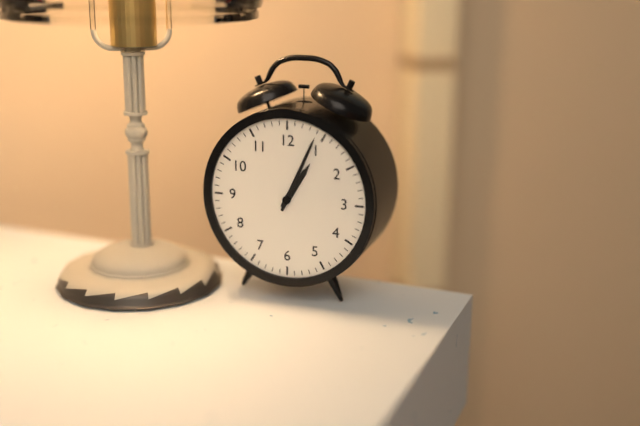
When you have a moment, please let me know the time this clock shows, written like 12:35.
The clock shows 1:04
